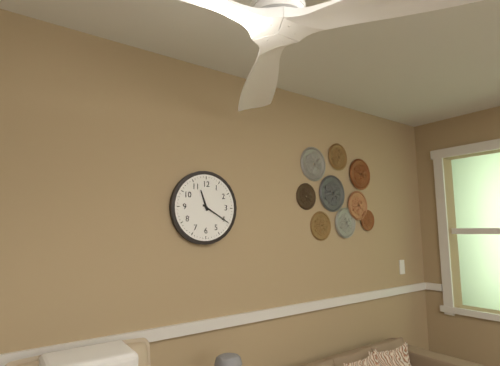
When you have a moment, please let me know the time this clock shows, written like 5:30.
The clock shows 11:20
